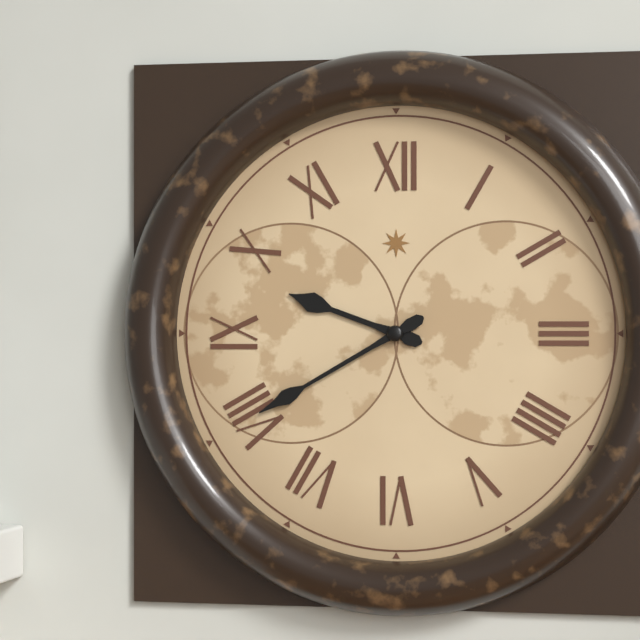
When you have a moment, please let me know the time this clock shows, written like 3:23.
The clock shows 9:40
